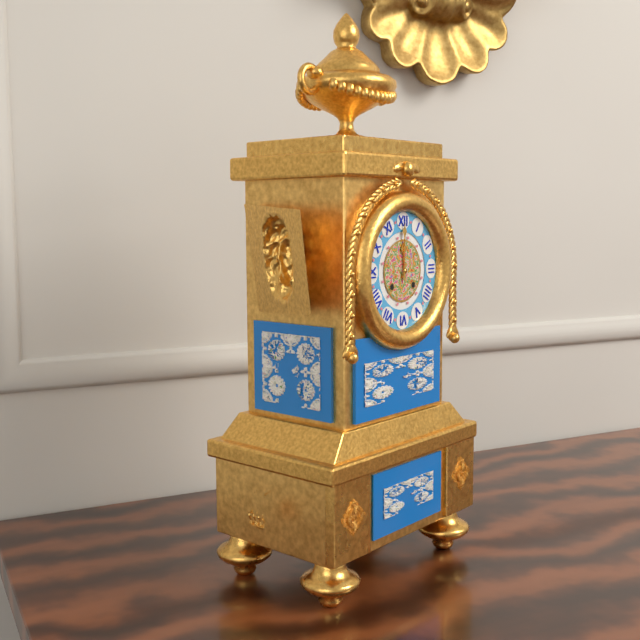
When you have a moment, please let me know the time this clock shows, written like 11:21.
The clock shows 12:00
